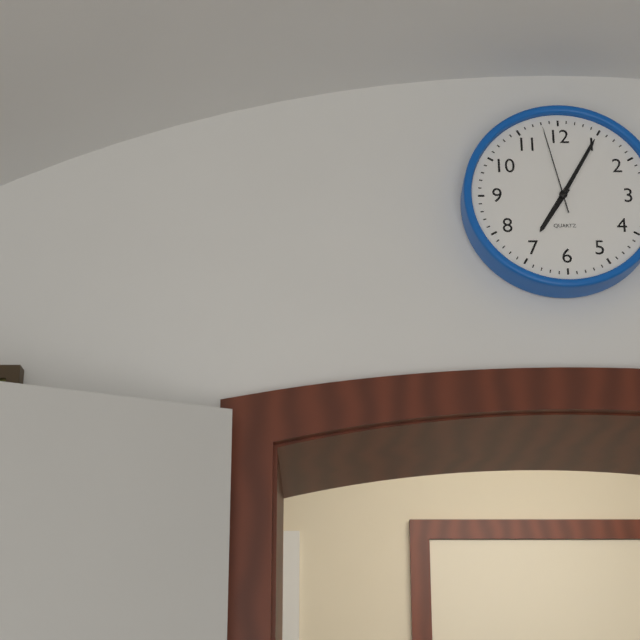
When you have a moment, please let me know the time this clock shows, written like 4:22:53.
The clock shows 7:05:58
